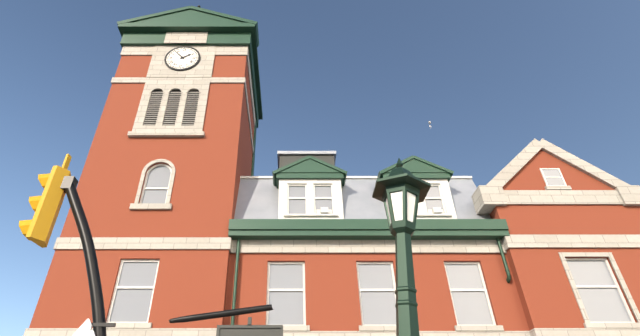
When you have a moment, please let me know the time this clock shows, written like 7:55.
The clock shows 1:53
